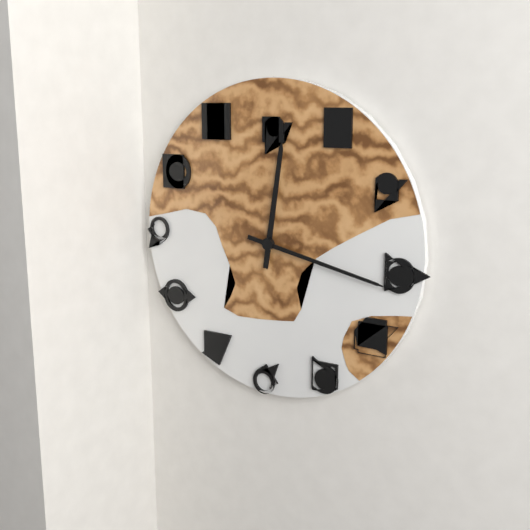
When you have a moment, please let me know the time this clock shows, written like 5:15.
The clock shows 12:17
